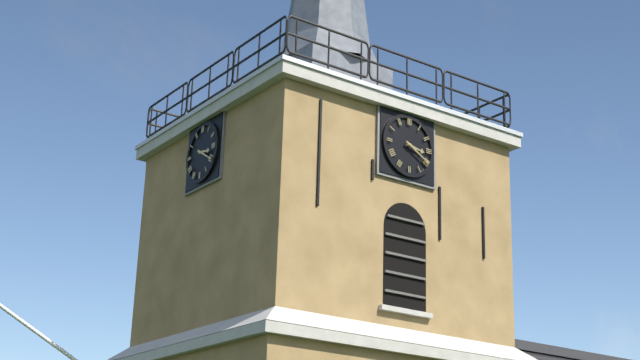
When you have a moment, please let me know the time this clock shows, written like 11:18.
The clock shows 3:20
